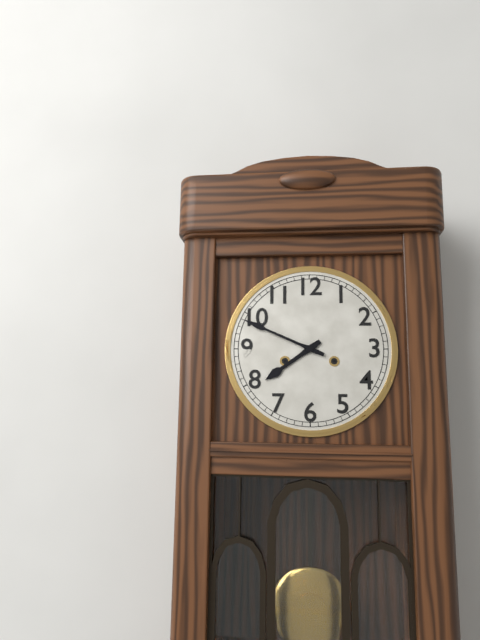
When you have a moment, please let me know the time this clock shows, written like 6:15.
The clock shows 7:49
